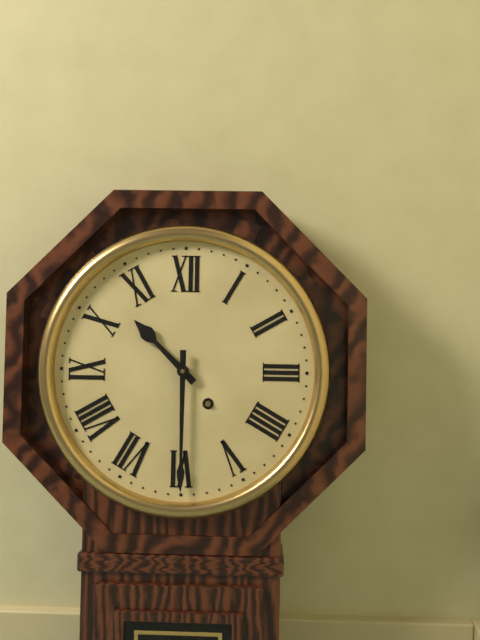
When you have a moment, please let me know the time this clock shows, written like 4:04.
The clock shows 10:30
